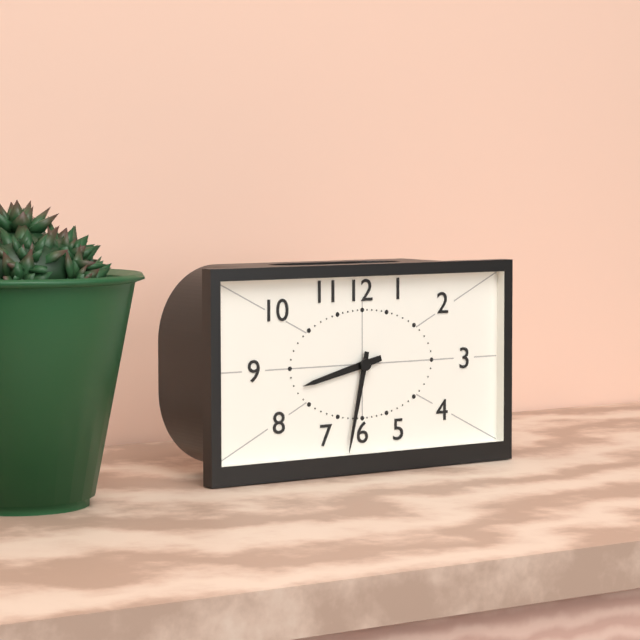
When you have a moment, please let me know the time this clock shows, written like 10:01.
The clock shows 8:32
